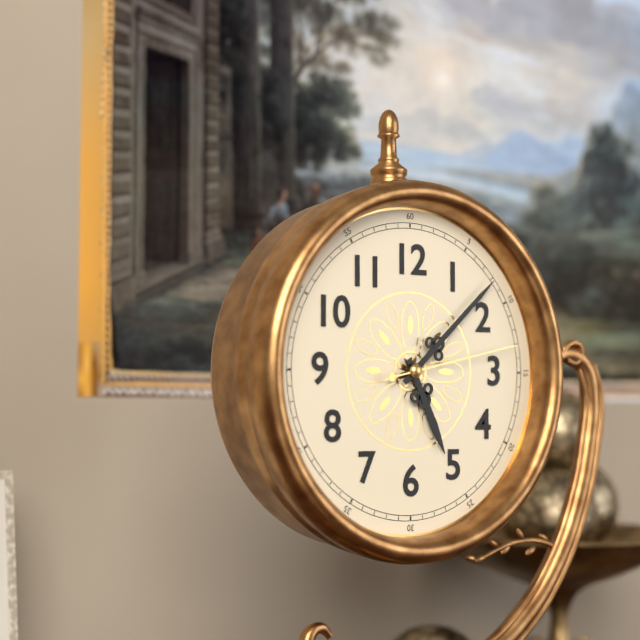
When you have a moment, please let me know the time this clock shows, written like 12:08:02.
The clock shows 5:08:13
